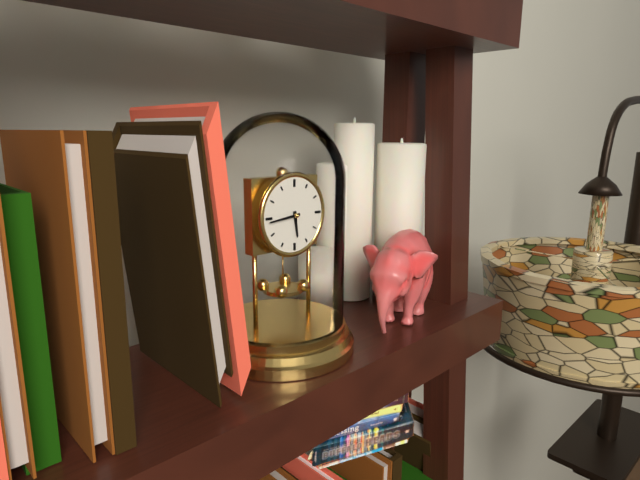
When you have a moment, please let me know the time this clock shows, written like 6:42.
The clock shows 5:44
